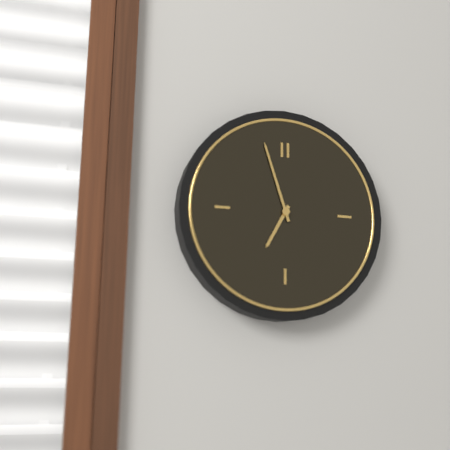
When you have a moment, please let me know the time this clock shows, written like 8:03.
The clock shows 6:57
